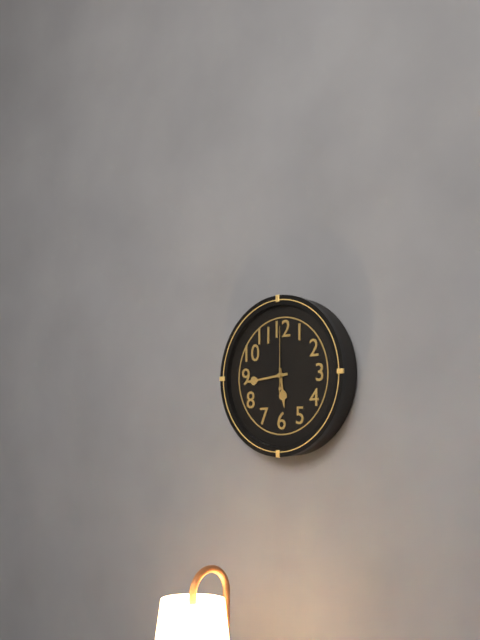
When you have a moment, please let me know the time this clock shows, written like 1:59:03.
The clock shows 5:44:00
